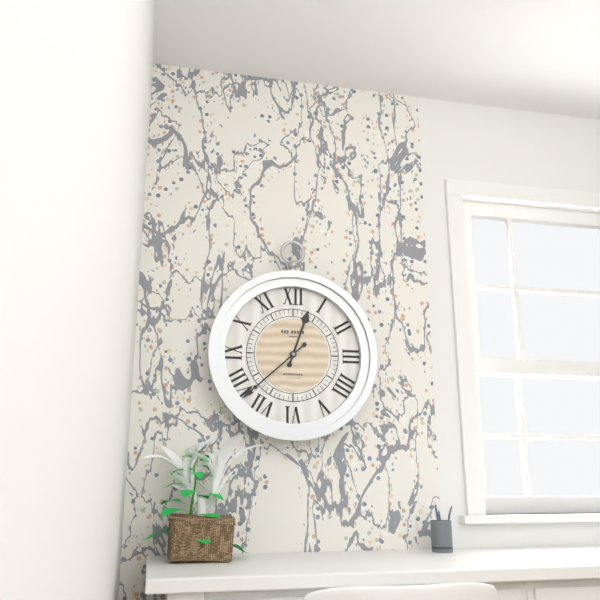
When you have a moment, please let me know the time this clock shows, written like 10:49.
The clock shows 12:38
